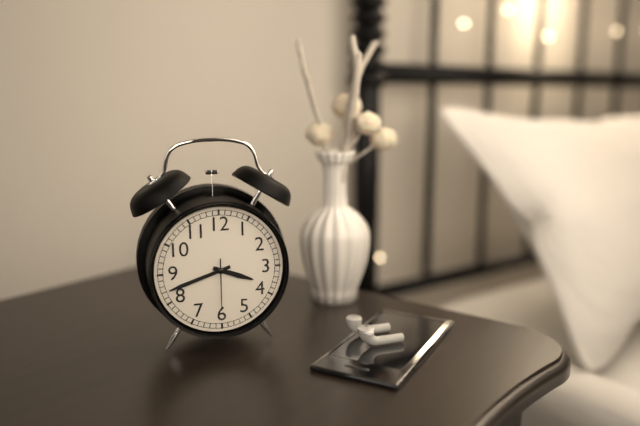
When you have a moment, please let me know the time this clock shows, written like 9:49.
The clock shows 3:42
